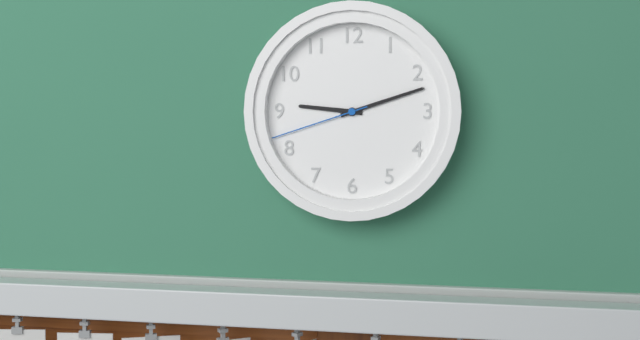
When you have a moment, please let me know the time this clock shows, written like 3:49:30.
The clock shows 9:12:42
